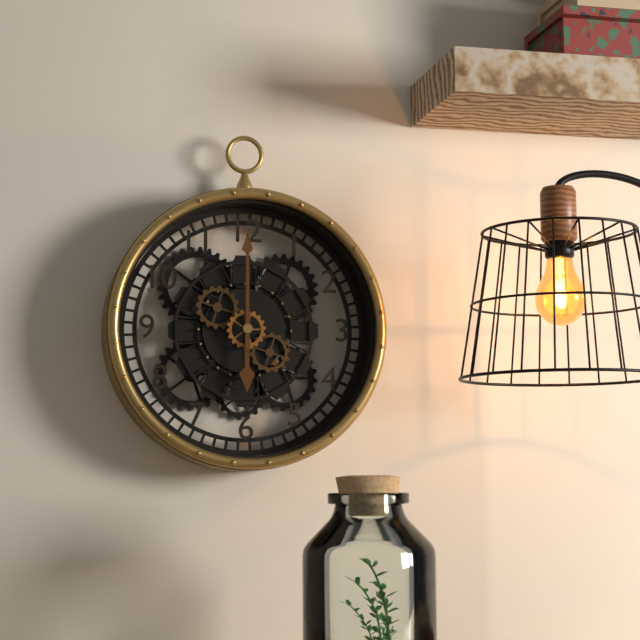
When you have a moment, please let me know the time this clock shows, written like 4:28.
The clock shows 6:00
